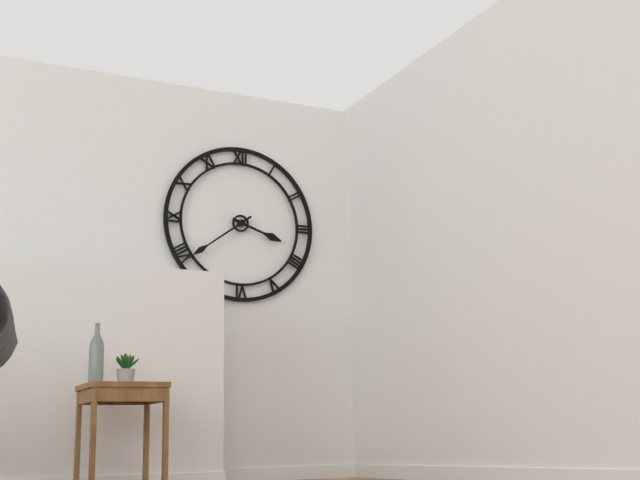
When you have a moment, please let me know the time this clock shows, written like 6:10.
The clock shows 3:39
